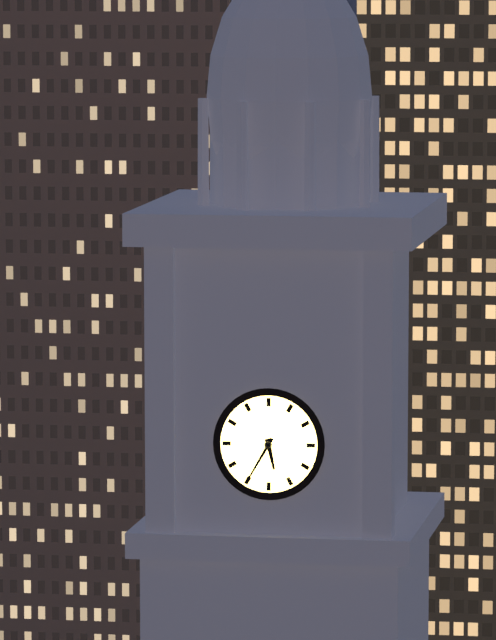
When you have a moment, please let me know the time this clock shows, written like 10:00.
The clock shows 5:35
